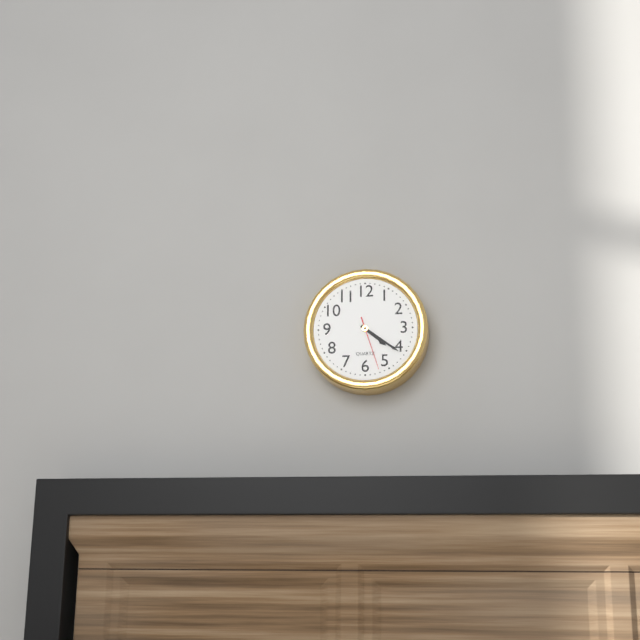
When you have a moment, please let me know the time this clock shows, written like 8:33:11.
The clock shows 4:21:27
